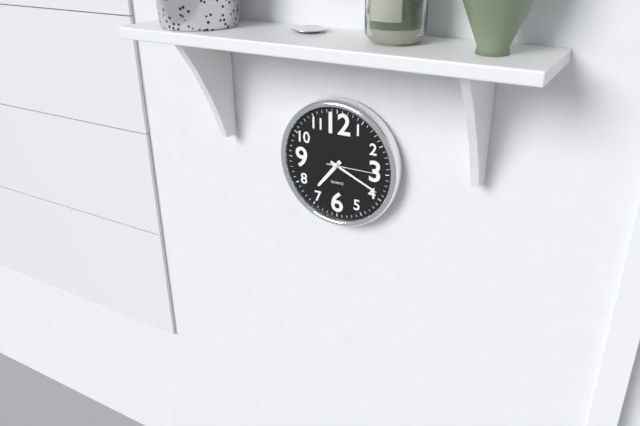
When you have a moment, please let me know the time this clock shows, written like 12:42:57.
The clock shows 7:19:15
